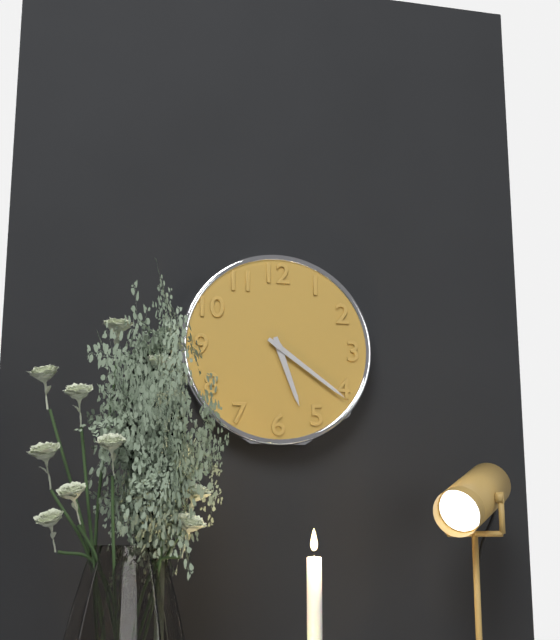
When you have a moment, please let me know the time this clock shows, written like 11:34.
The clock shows 5:21
